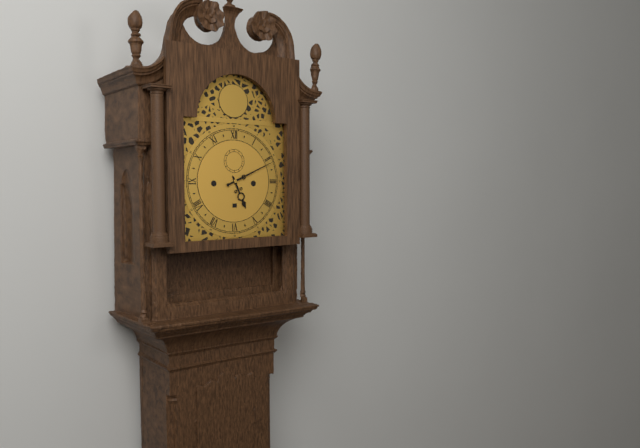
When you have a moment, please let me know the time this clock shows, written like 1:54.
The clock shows 5:11
